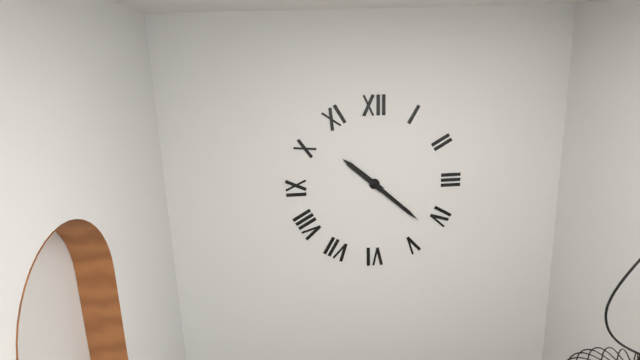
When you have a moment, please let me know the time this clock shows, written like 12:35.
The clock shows 10:22
